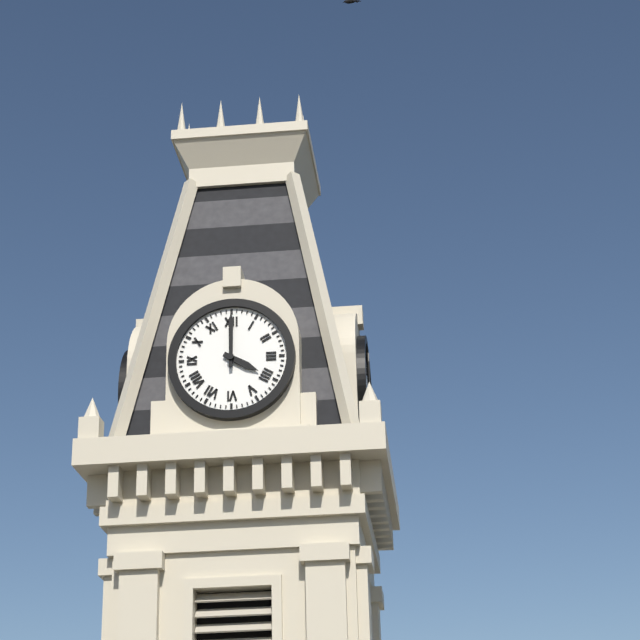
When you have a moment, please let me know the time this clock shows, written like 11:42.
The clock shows 4:00
